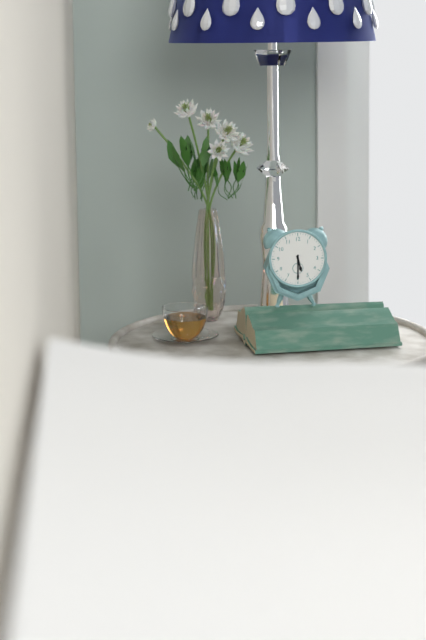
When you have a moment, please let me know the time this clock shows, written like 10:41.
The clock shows 5:30
